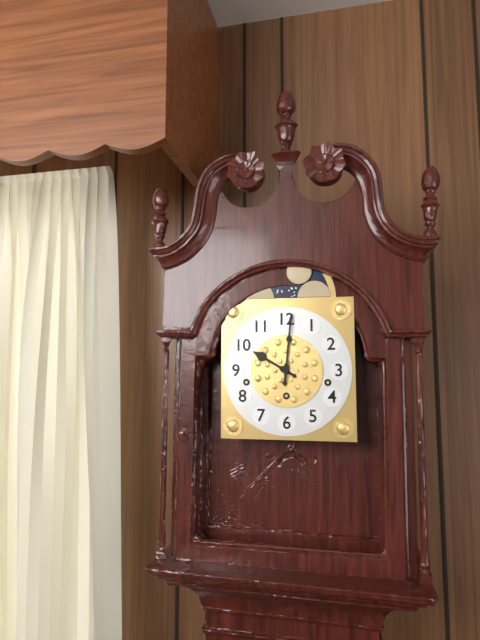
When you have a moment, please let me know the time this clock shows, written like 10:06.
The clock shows 10:01
